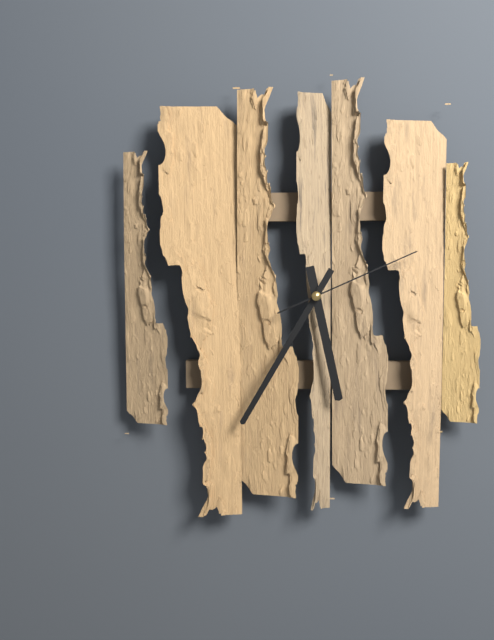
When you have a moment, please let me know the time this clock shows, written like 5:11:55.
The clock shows 5:35:11
